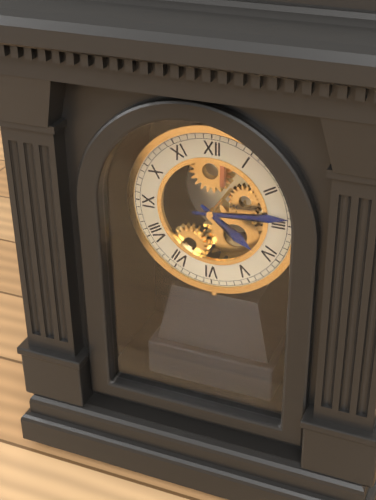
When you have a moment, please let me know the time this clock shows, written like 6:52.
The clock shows 4:14
